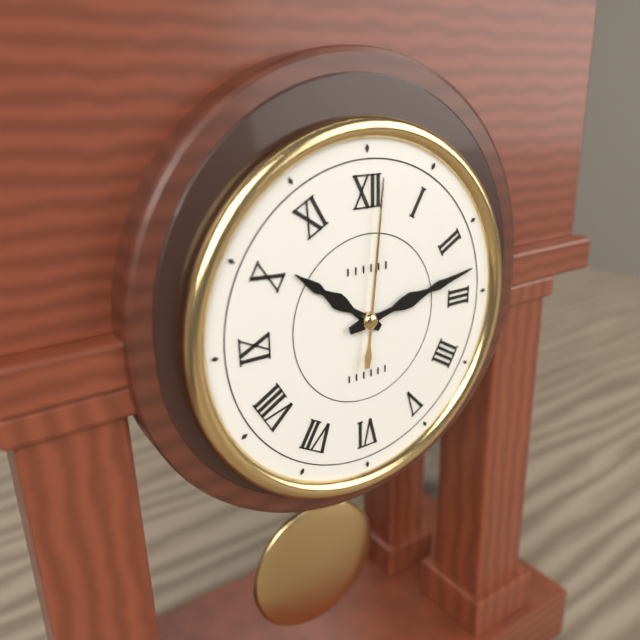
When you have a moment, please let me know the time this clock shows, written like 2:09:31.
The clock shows 10:13:01
